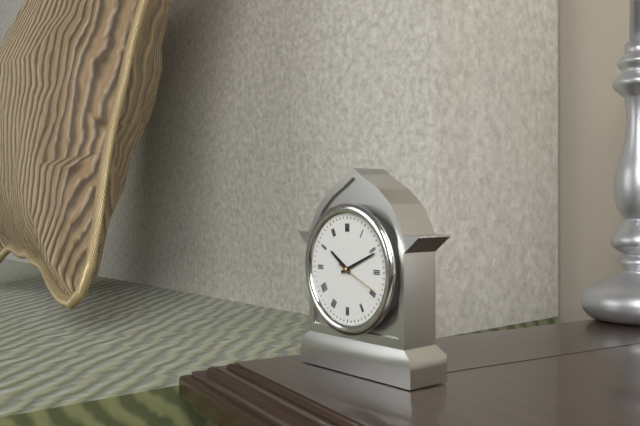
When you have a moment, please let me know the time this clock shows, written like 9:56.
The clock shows 10:11
